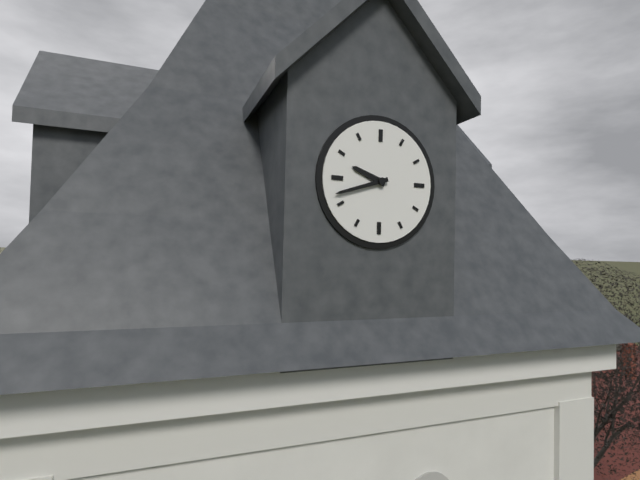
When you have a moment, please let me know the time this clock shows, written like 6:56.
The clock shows 9:42
